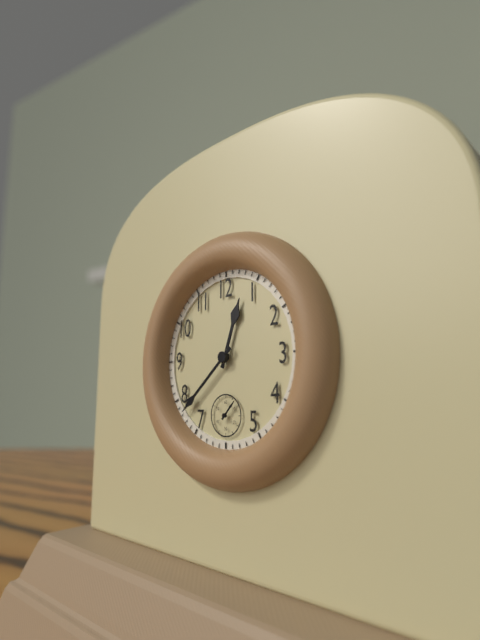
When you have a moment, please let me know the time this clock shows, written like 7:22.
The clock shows 12:38
